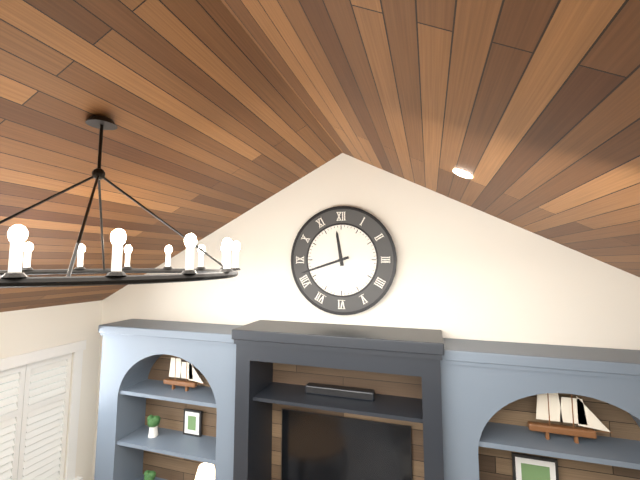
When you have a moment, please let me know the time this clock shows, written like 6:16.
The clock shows 11:42
